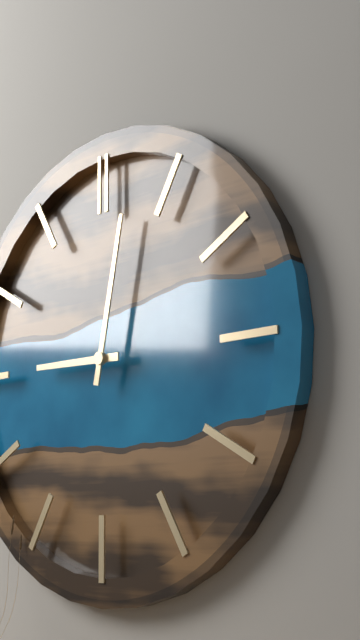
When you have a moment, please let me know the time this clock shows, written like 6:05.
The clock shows 9:02
